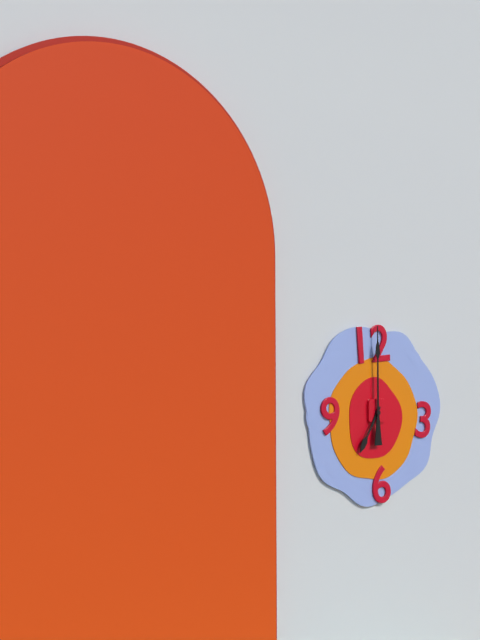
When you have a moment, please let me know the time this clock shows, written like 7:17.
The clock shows 7:00
